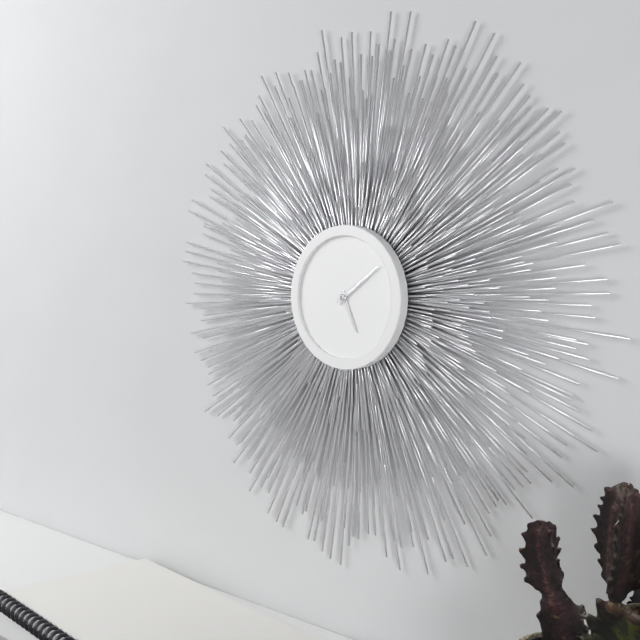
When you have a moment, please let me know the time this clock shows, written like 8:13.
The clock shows 5:09
